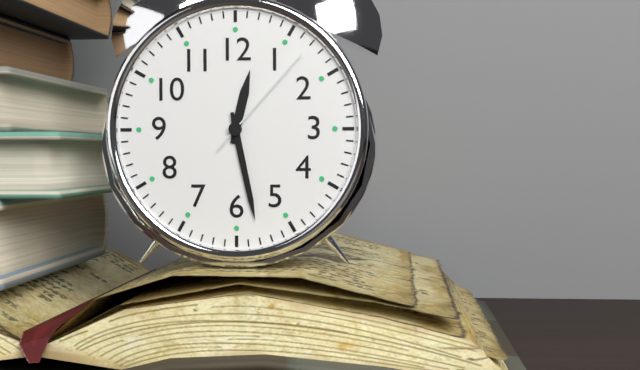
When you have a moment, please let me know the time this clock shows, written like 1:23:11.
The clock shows 12:28:07
